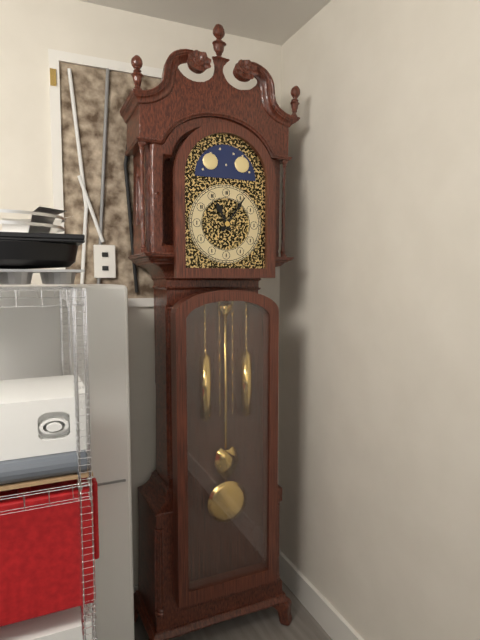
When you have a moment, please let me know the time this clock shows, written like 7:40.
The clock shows 11:06
